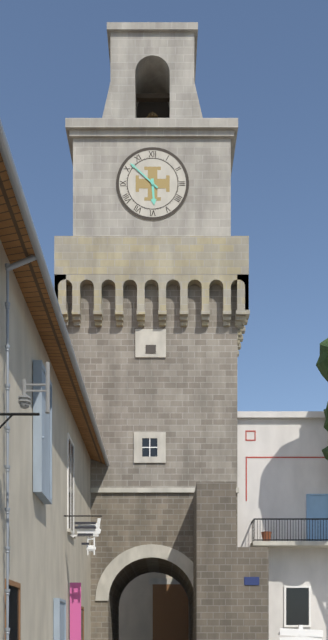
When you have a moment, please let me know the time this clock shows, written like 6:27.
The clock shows 5:52
